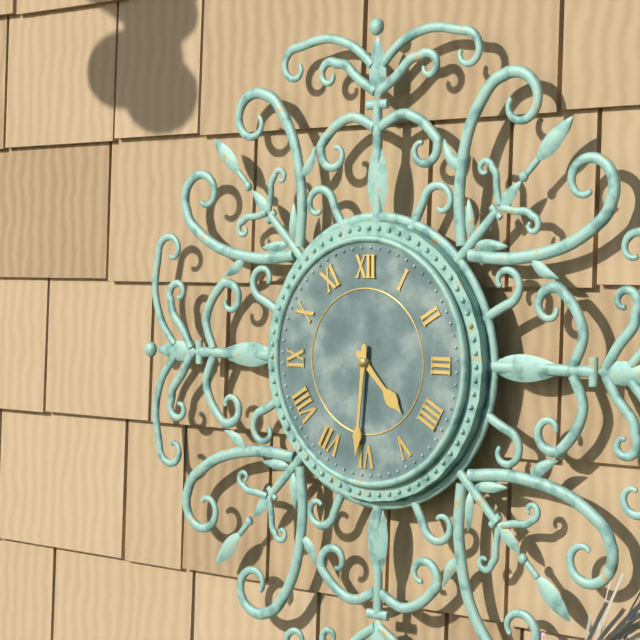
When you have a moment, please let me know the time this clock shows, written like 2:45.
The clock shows 4:31
